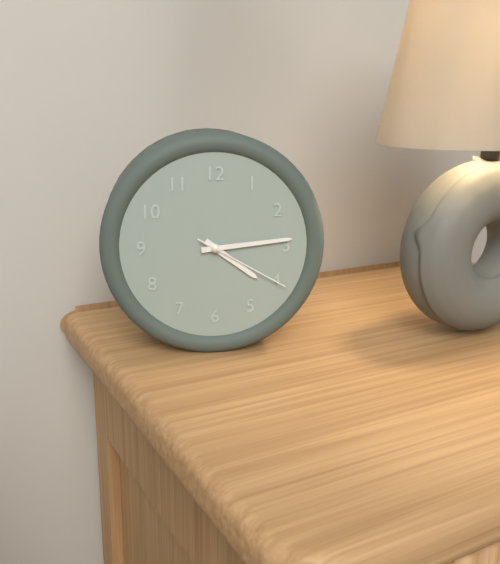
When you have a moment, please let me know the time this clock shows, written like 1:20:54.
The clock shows 4:14:20
